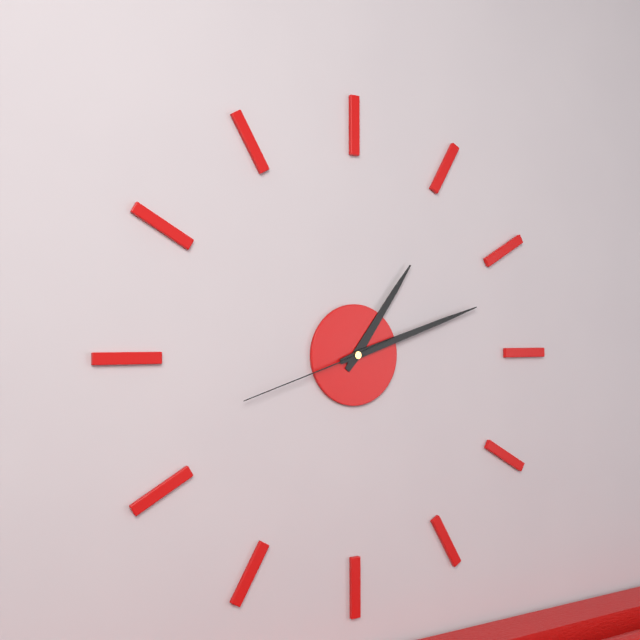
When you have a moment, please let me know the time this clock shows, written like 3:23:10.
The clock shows 1:12:42
